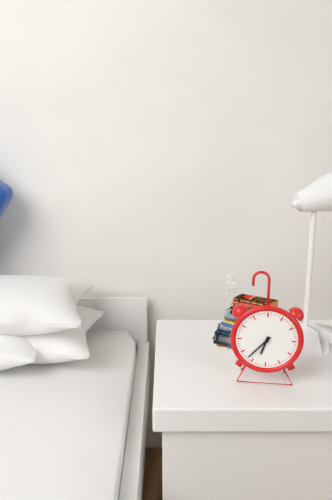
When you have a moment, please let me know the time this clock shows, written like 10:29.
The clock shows 6:37
